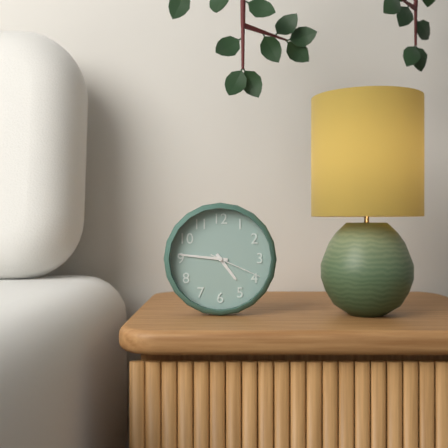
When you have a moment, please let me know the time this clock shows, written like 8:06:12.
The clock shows 4:46:19
